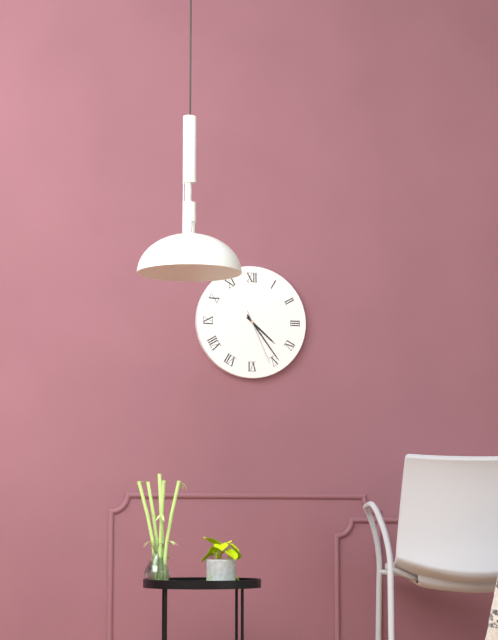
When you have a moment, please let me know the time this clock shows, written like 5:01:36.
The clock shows 4:24:26
